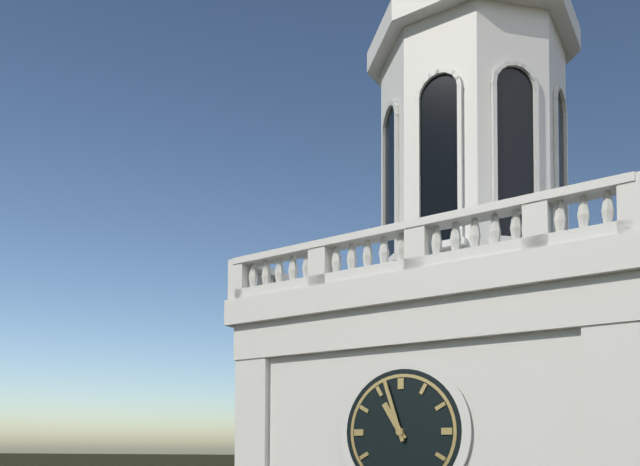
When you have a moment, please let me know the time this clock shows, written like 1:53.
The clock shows 10:57
